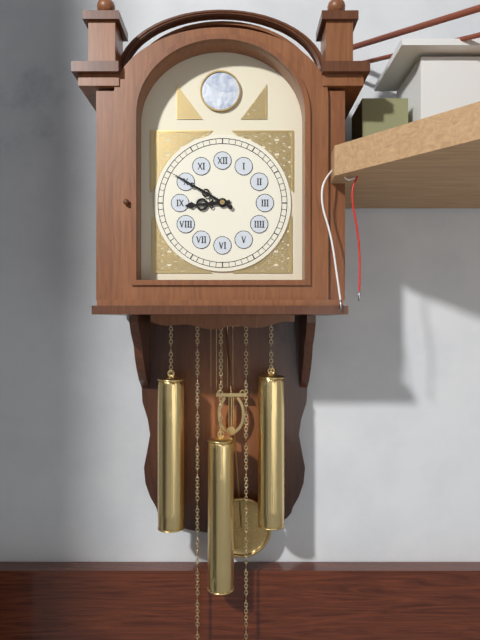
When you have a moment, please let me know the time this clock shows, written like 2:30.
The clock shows 8:50
